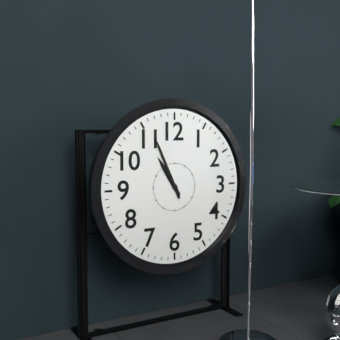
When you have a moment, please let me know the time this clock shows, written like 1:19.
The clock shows 10:56
